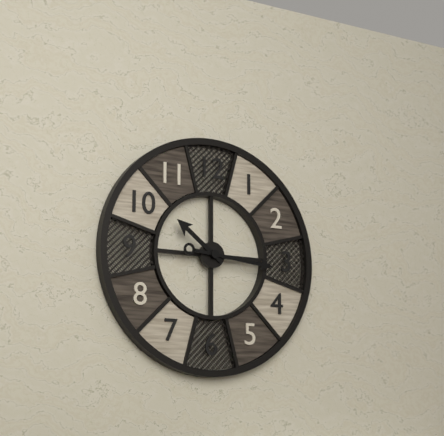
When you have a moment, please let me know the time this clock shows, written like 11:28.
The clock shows 10:16
